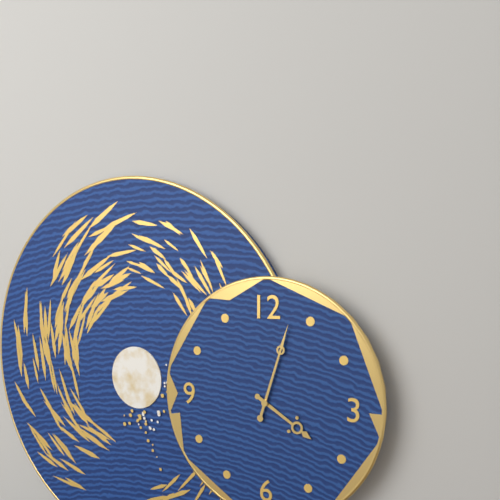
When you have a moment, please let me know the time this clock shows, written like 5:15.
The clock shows 4:03
